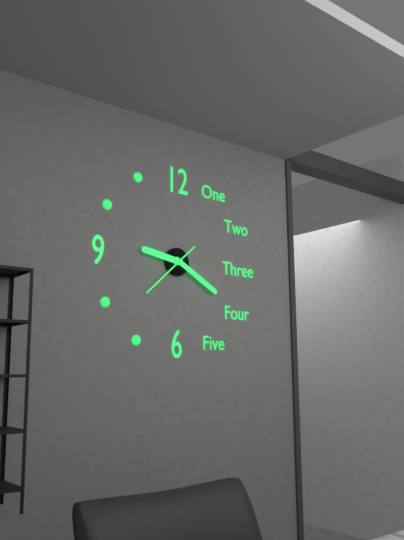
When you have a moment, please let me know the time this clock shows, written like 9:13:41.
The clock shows 9:20:38
